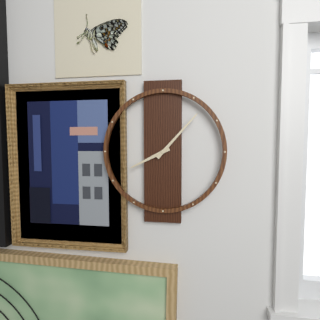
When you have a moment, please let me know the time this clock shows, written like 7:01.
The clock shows 8:07
